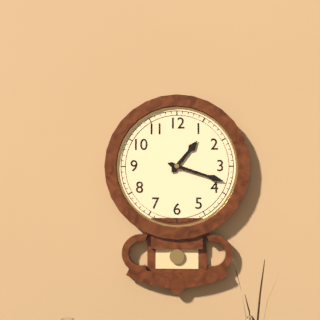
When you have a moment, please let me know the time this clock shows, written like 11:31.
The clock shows 1:18
